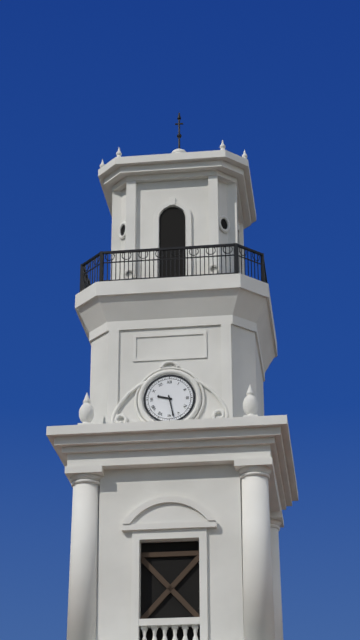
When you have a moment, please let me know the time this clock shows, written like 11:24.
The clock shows 9:28
